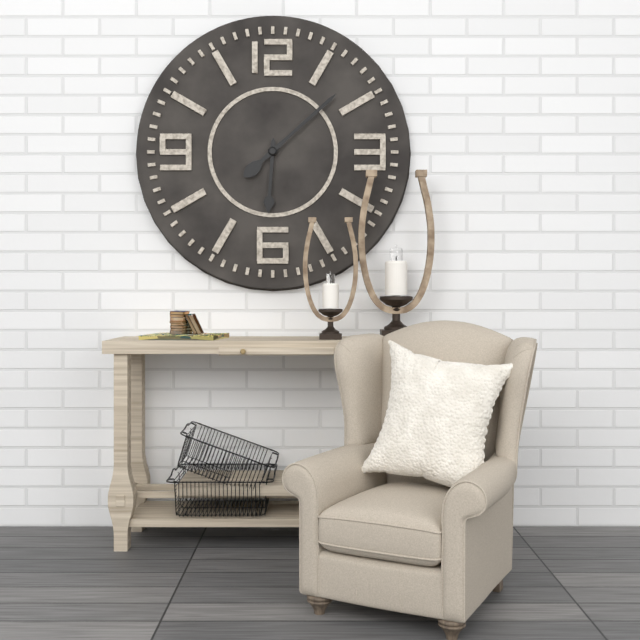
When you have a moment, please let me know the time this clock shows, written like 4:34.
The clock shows 6:08
